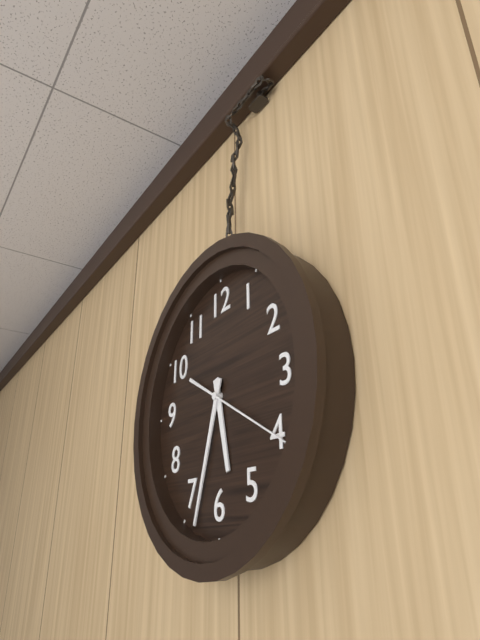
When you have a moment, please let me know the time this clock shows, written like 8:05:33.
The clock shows 5:33:20
